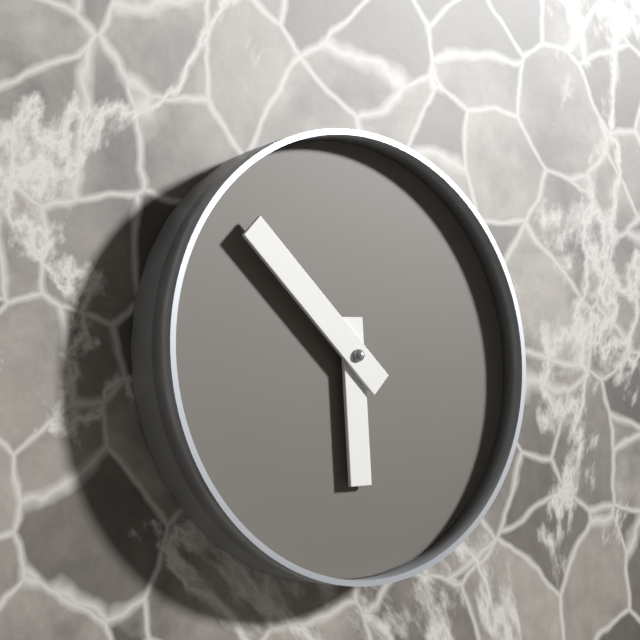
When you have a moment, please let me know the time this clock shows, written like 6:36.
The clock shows 5:52
